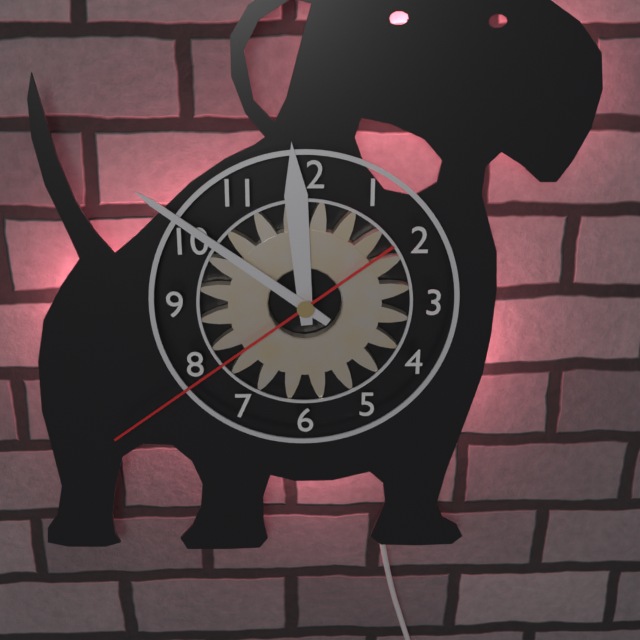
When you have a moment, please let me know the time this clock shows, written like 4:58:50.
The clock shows 11:51:39
